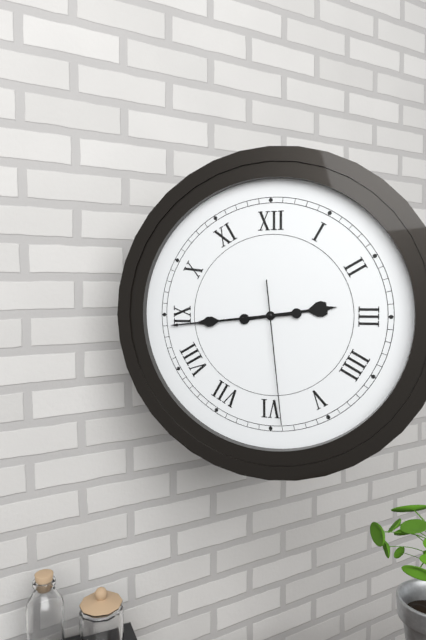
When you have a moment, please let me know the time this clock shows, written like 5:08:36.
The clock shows 2:44:29
